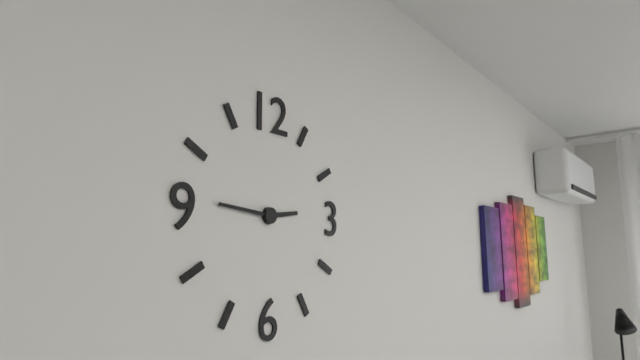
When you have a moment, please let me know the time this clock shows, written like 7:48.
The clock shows 2:46
